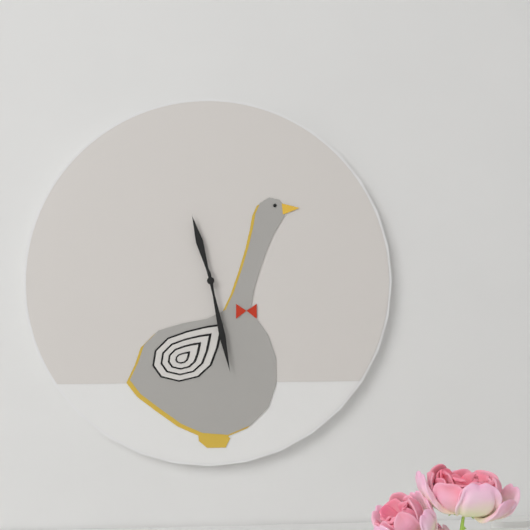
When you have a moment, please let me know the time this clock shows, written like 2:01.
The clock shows 11:28
